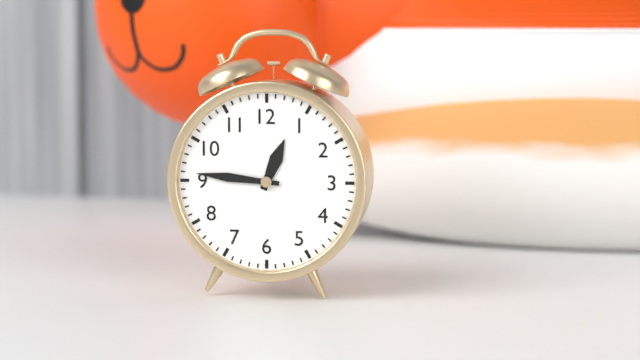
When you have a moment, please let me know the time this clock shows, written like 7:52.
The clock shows 12:46
